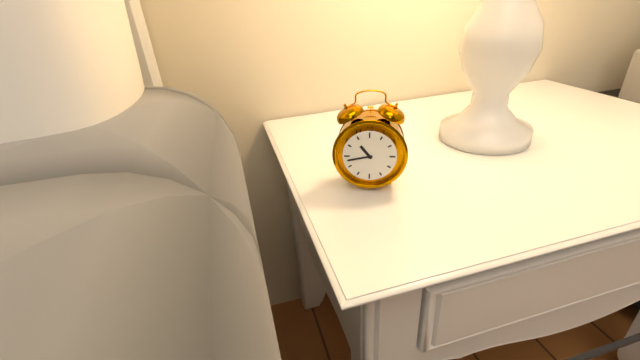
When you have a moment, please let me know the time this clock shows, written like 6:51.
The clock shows 10:43
